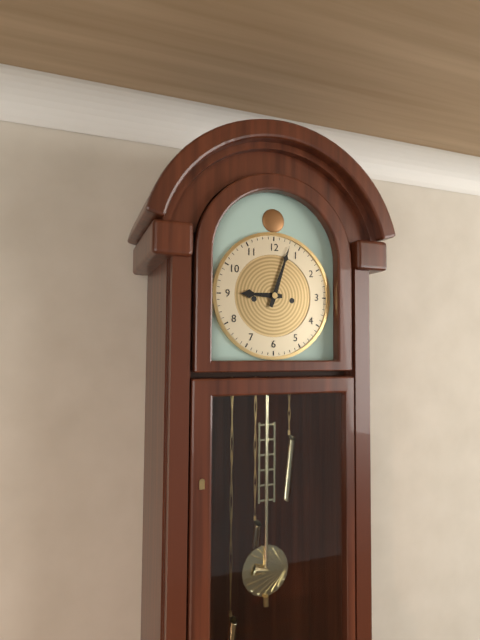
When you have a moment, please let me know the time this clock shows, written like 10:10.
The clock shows 9:03
